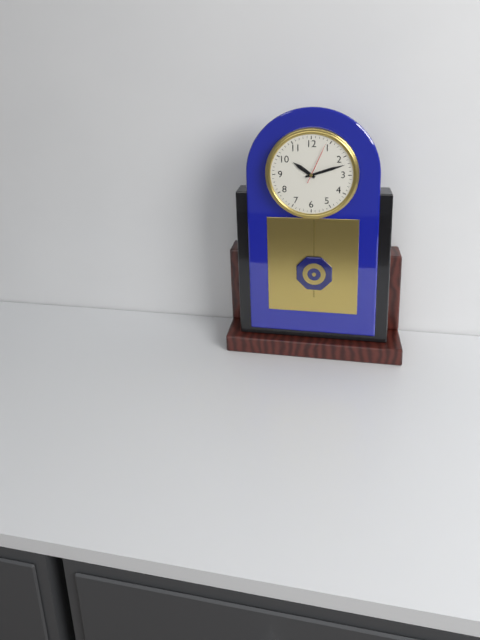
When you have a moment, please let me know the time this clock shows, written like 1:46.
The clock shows 10:12
